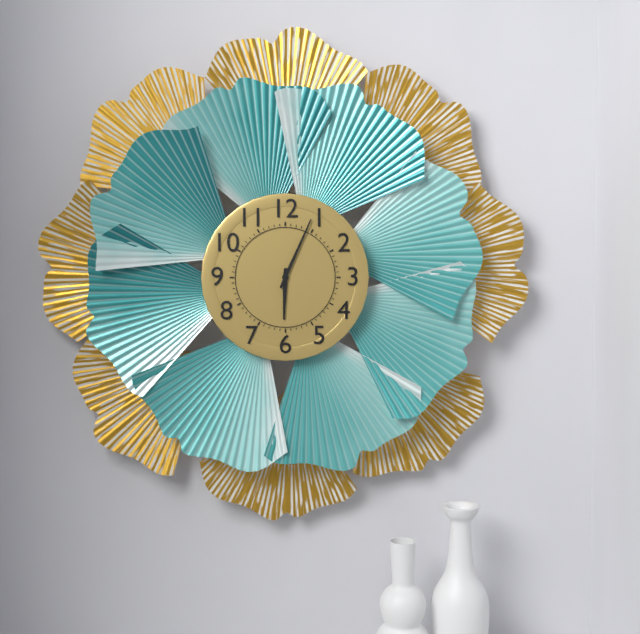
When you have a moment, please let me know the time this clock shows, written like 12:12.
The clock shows 6:04
